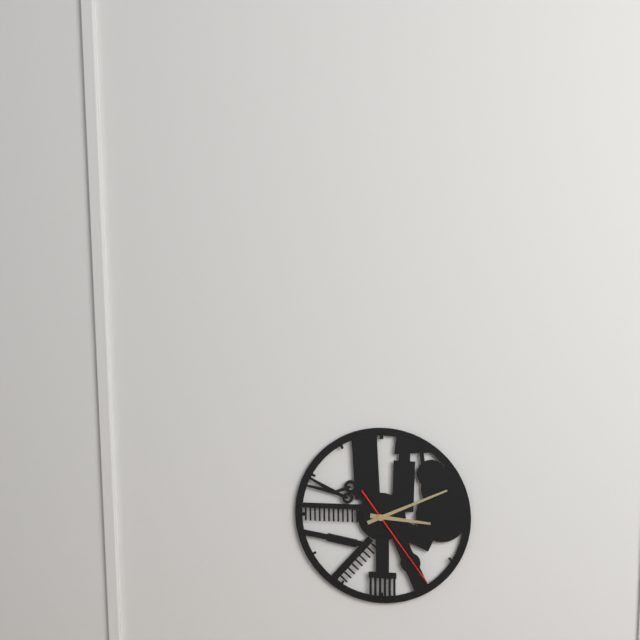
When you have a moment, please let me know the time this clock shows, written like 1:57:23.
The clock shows 3:11:24
